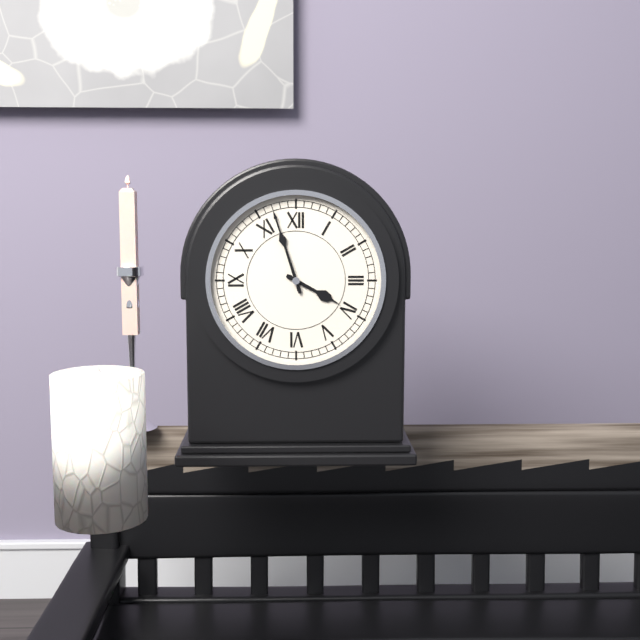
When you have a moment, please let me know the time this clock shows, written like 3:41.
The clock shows 3:57
